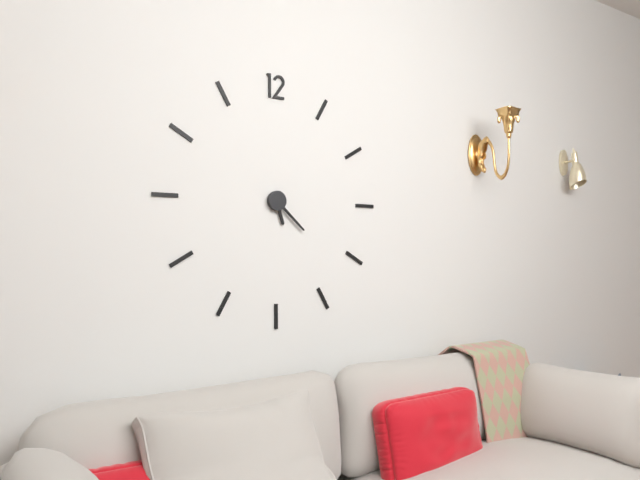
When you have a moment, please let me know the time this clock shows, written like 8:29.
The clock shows 5:22
